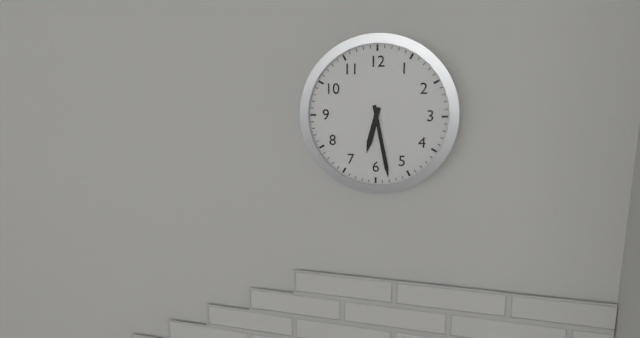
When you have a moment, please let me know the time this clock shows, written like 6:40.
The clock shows 6:28
